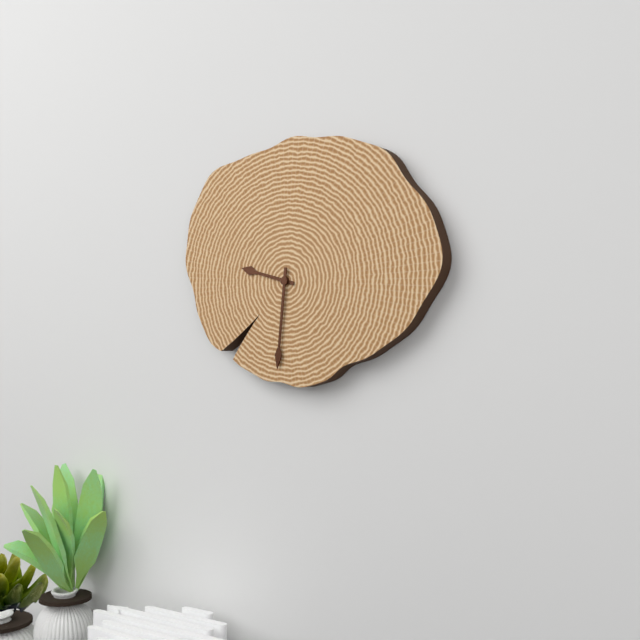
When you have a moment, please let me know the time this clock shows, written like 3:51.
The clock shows 9:31
